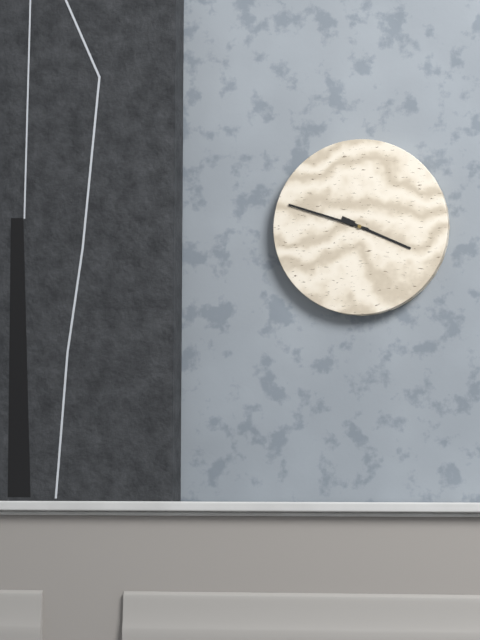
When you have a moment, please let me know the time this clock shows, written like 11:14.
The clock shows 3:48
